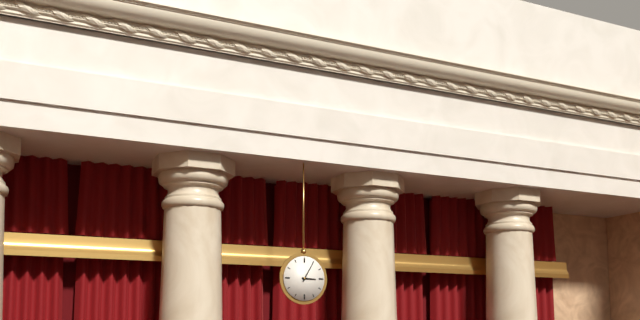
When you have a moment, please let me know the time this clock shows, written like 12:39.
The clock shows 3:05
